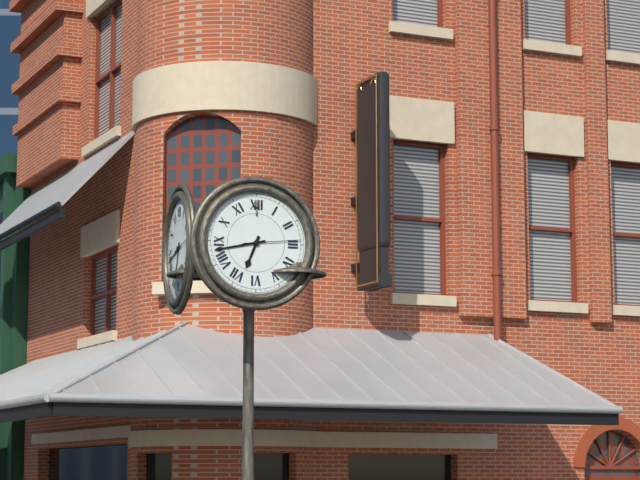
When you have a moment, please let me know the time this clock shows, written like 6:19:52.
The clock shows 6:43:14
